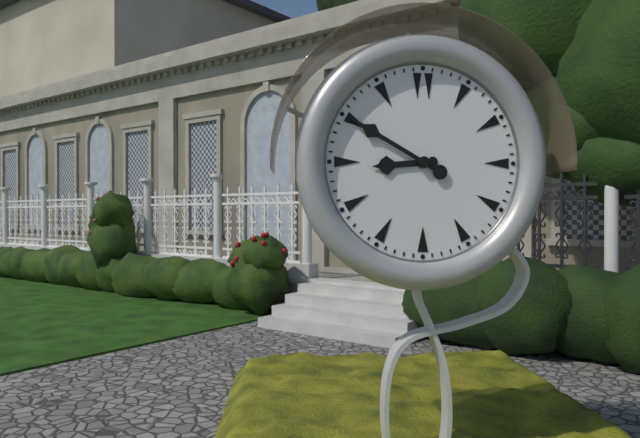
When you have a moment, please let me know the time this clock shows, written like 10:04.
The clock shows 8:50
